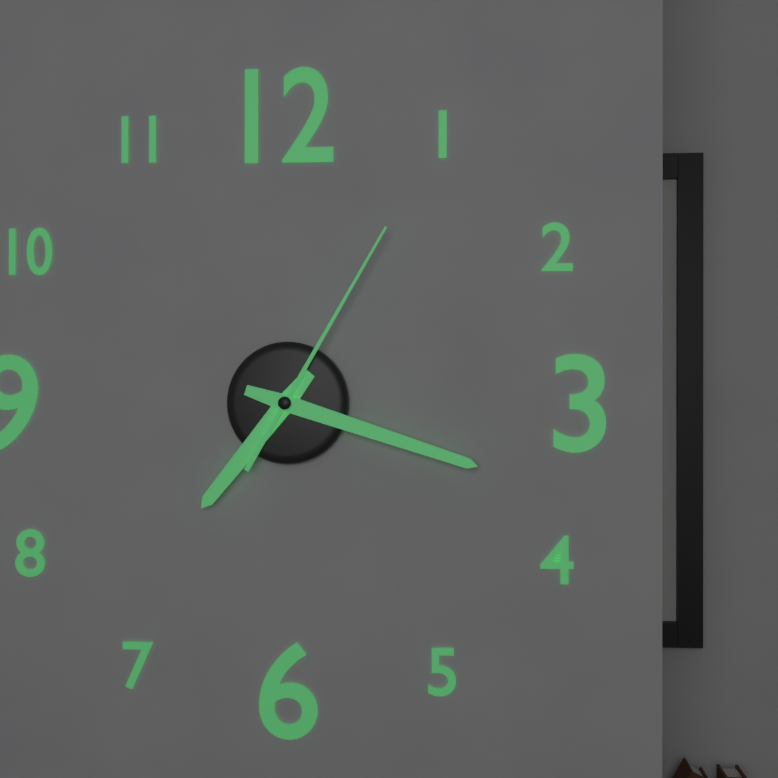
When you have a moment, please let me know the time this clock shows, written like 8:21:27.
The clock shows 7:18:05
